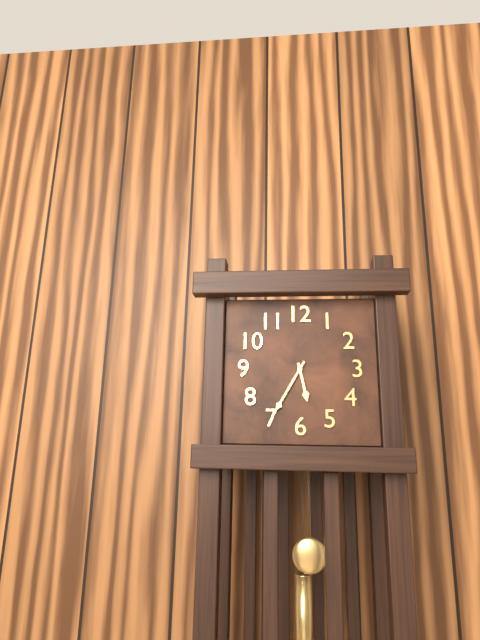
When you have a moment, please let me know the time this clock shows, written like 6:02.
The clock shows 5:35
